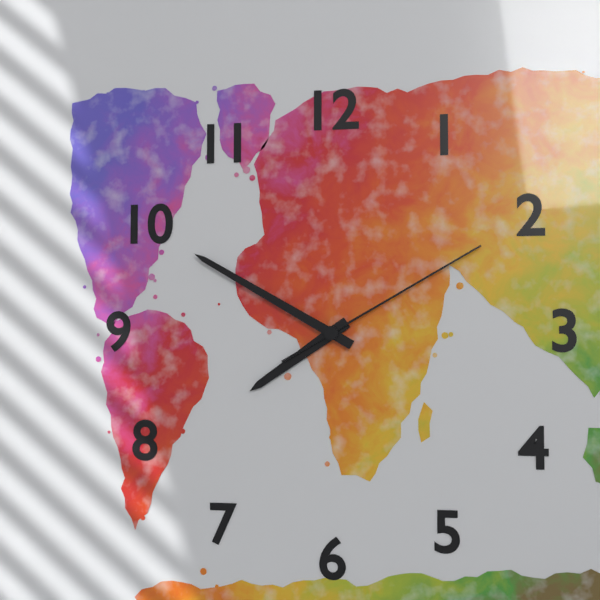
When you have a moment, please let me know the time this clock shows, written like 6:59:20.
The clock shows 7:50:10
